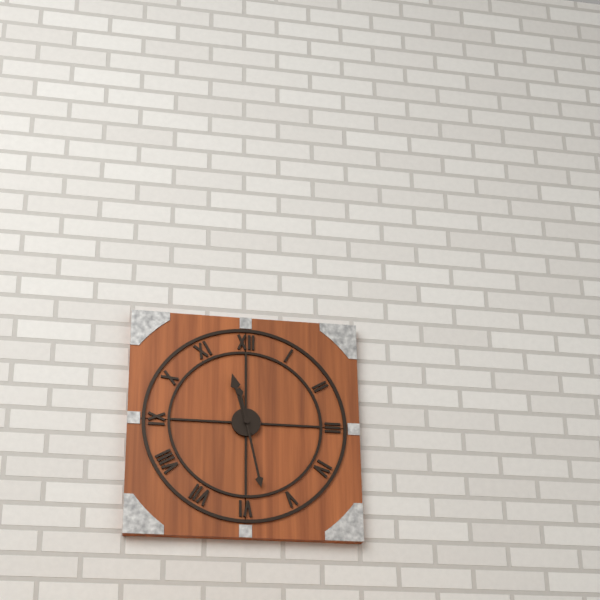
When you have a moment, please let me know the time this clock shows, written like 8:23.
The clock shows 11:28
